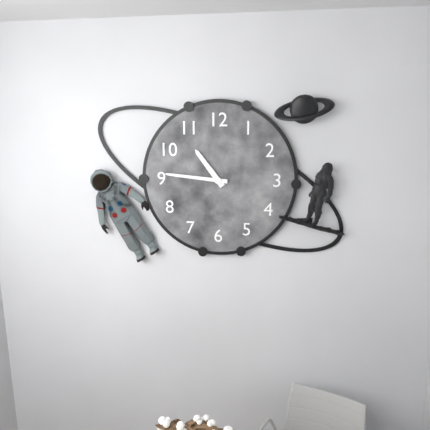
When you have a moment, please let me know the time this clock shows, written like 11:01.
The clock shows 10:46
